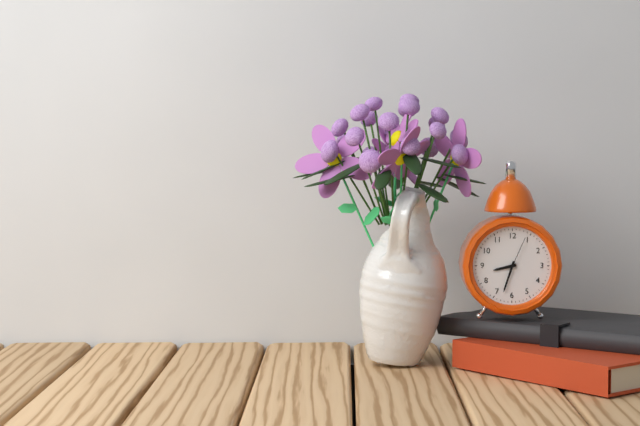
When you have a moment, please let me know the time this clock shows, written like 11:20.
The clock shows 8:33
